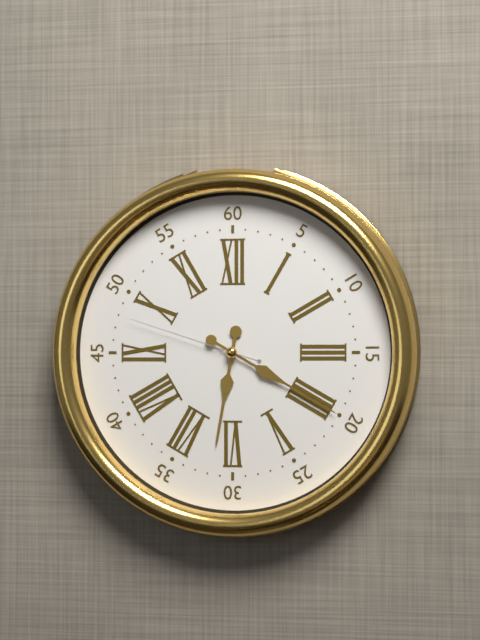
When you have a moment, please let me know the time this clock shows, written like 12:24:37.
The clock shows 6:20:48
